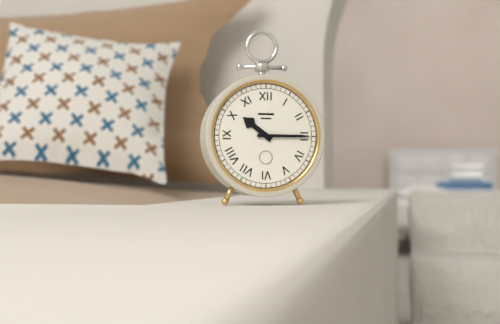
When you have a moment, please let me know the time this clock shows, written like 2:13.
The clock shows 10:15
